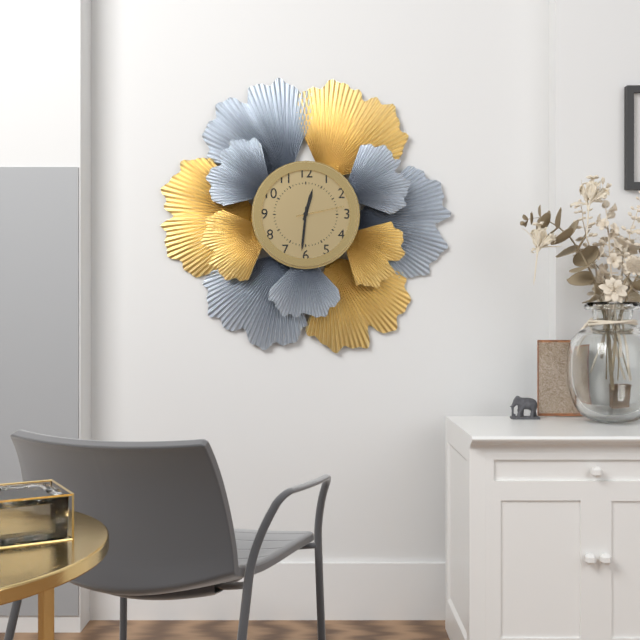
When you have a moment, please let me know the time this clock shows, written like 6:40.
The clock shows 12:31
